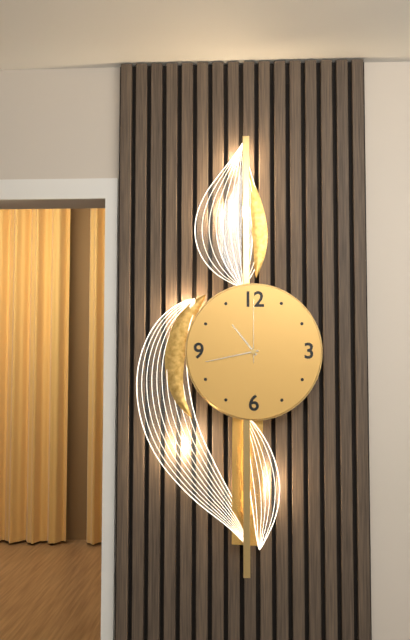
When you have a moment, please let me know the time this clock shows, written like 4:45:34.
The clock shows 10:43:00
